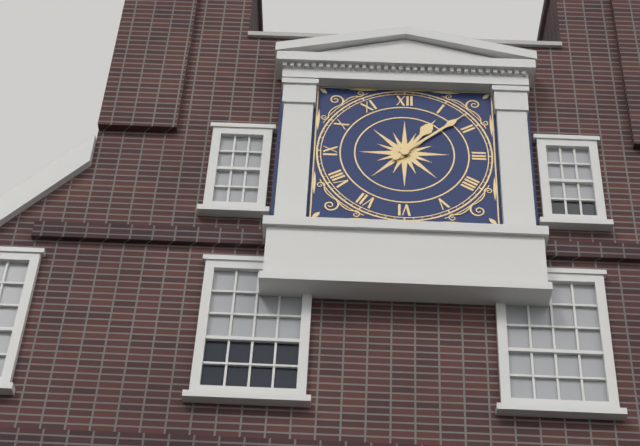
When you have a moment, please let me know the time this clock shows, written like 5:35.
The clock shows 1:08
